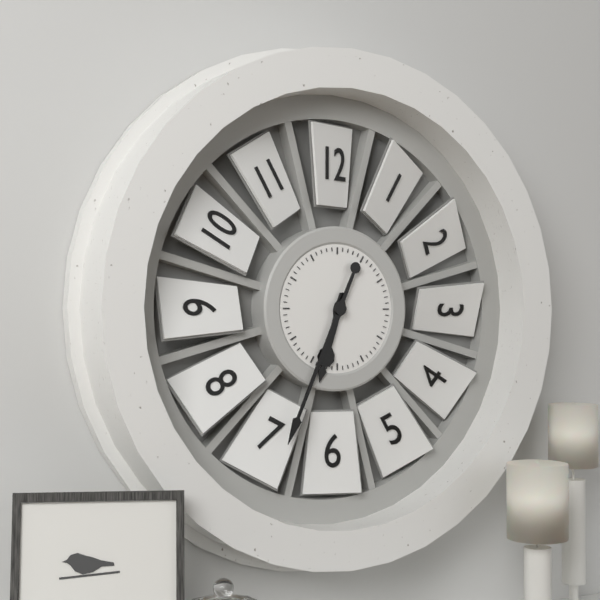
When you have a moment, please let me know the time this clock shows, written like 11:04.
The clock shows 6:34
